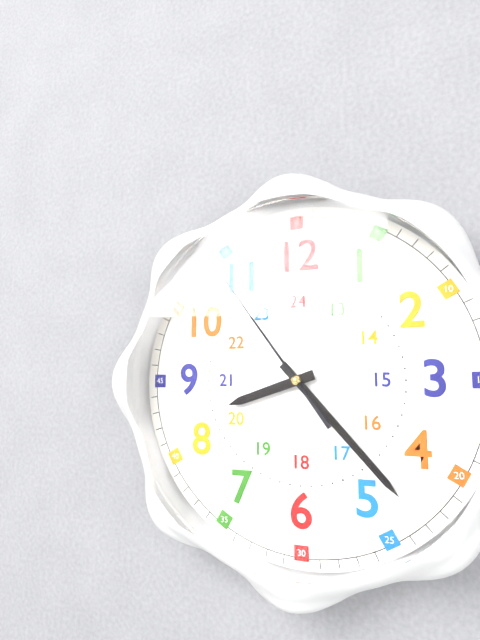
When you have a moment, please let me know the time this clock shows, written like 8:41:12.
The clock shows 8:23:54
